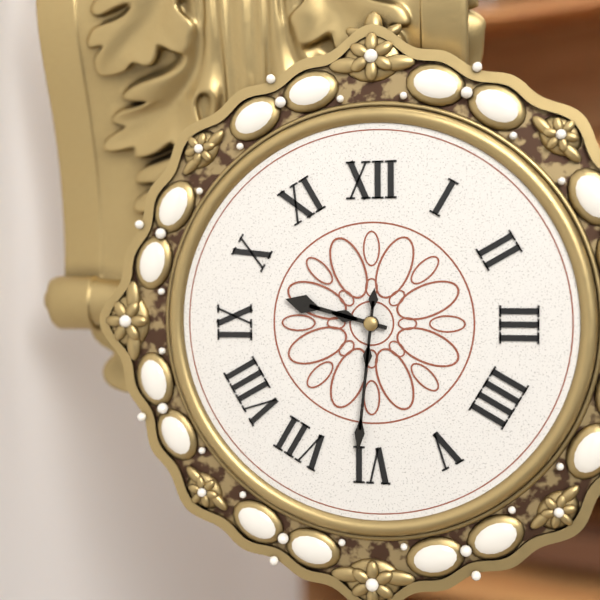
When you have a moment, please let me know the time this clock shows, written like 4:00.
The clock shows 9:31
